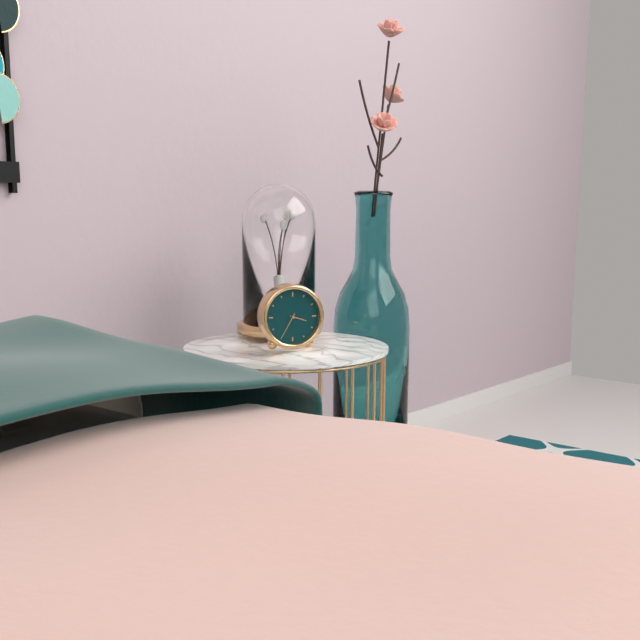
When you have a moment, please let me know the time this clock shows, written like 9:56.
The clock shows 3:35
